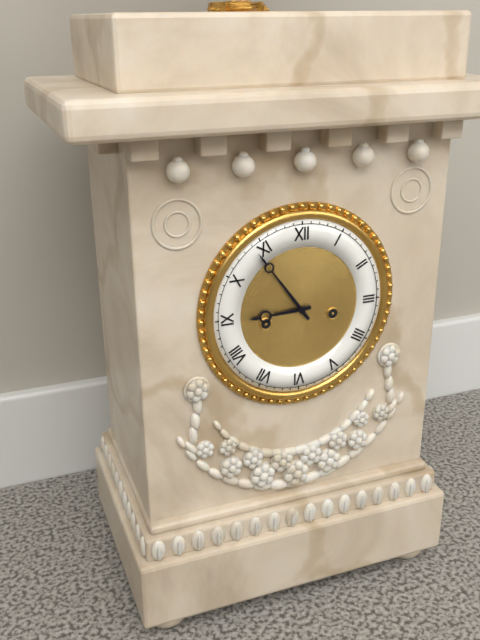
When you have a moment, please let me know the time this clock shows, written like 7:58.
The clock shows 8:54
